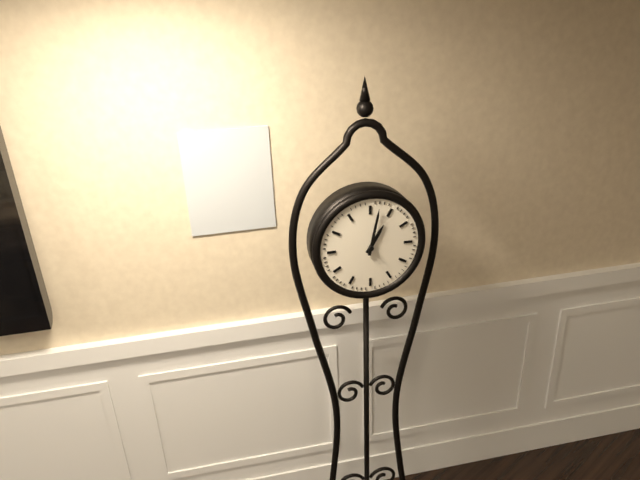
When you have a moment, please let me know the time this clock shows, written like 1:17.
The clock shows 1:02
